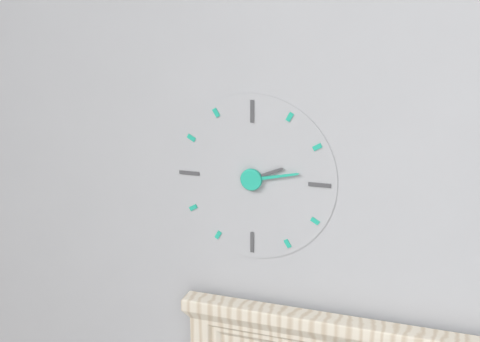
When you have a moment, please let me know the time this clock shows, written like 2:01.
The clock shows 2:13
